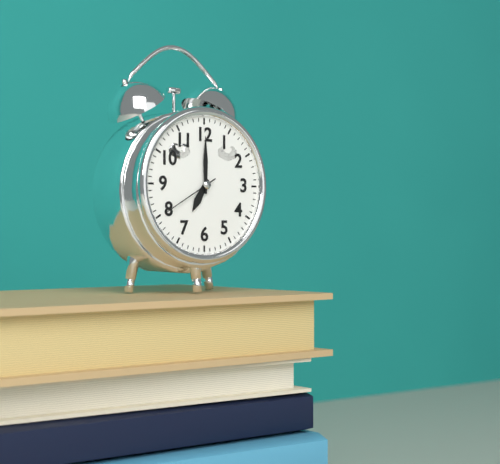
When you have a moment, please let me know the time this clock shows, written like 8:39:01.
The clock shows 7:00:40
